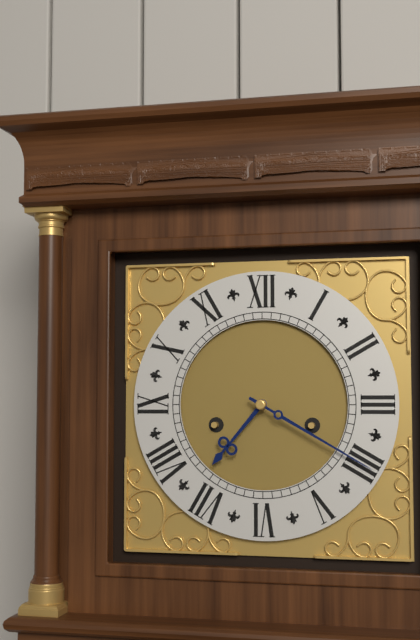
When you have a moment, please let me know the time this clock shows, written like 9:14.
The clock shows 7:20
